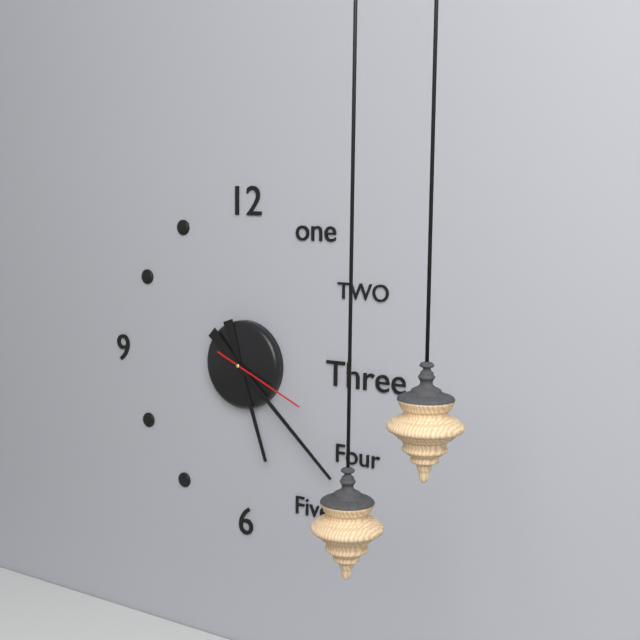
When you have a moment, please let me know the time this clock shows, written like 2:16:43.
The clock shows 5:22:19
